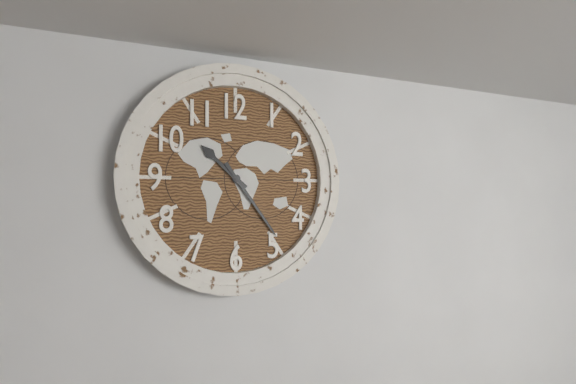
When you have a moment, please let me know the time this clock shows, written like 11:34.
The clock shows 10:24
